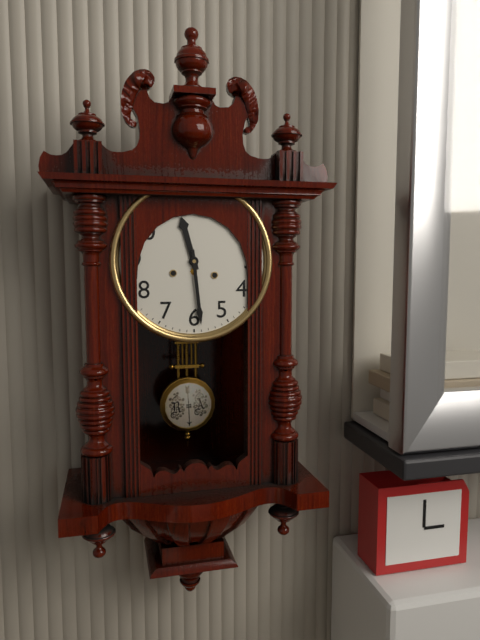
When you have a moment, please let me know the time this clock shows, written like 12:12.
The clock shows 11:29
